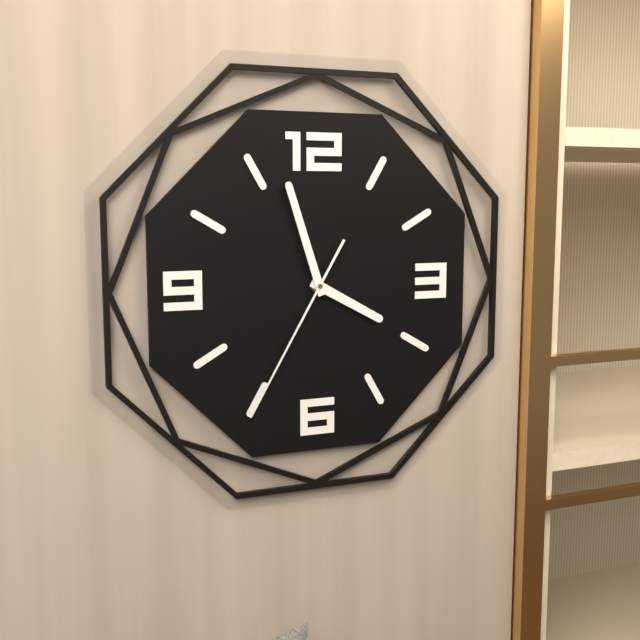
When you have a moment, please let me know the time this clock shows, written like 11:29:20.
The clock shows 3:57:35
